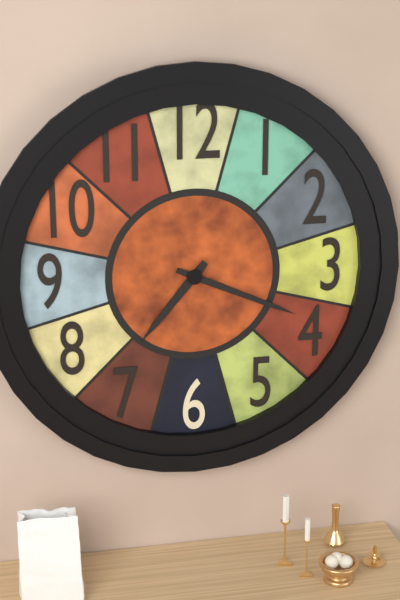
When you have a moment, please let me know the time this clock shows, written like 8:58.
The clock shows 7:19
